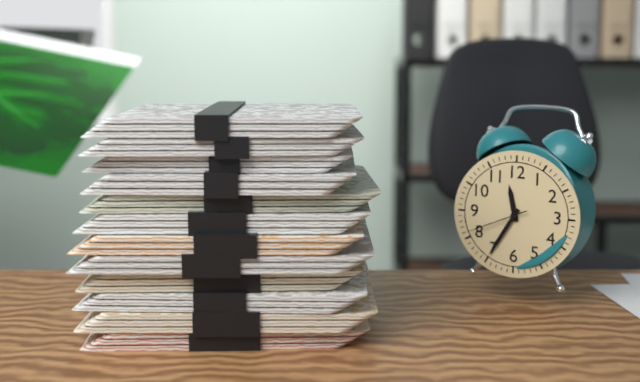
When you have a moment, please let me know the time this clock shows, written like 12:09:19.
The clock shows 11:35:41
